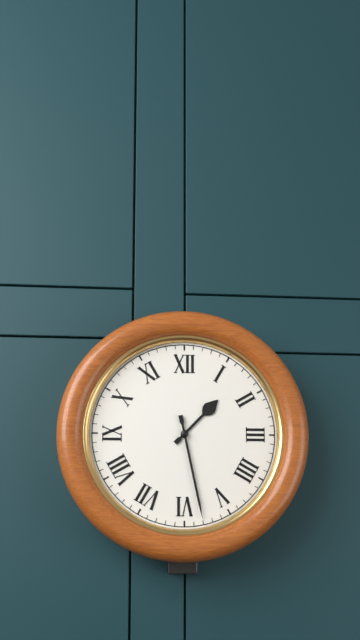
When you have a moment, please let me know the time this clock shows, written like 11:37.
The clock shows 1:28
